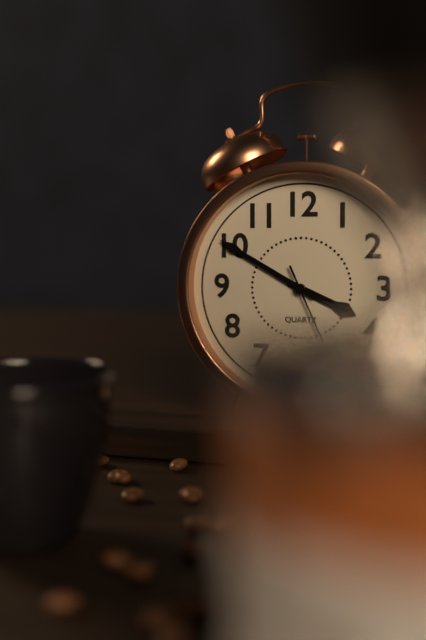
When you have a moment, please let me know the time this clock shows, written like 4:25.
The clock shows 3:50
